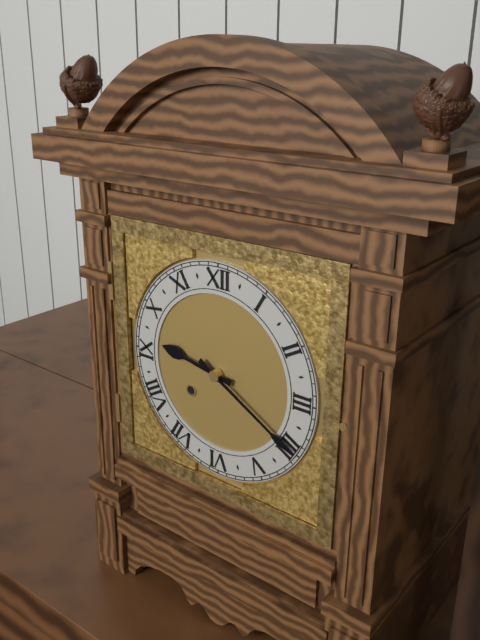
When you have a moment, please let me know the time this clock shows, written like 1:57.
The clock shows 9:20
